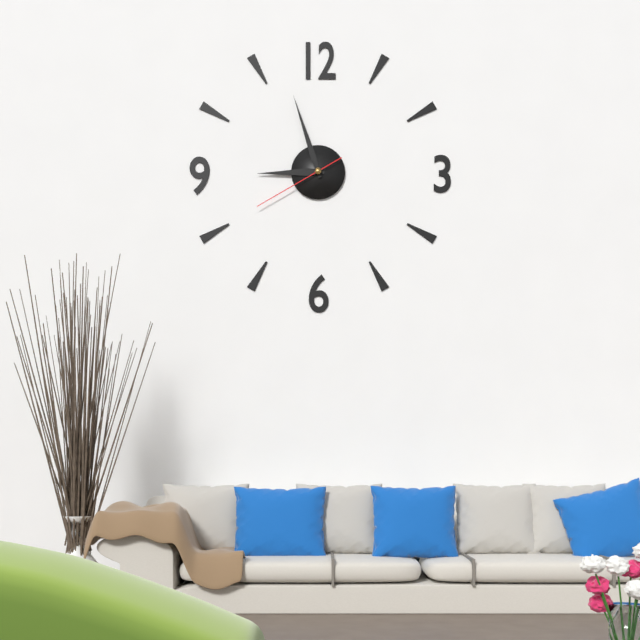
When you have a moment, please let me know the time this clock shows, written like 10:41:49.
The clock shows 8:57:40
